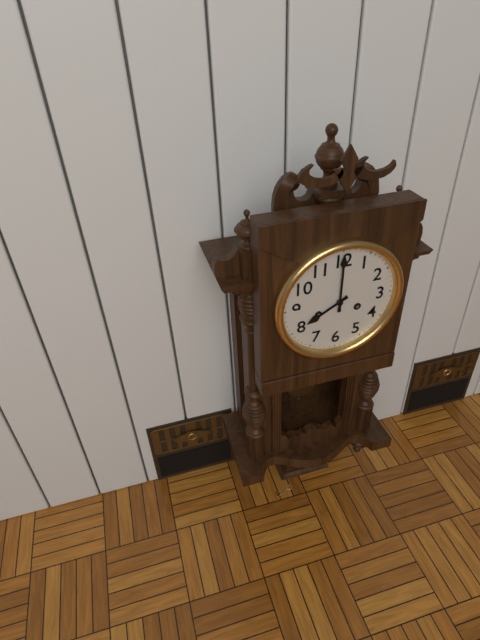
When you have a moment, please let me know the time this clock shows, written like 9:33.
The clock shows 8:00
